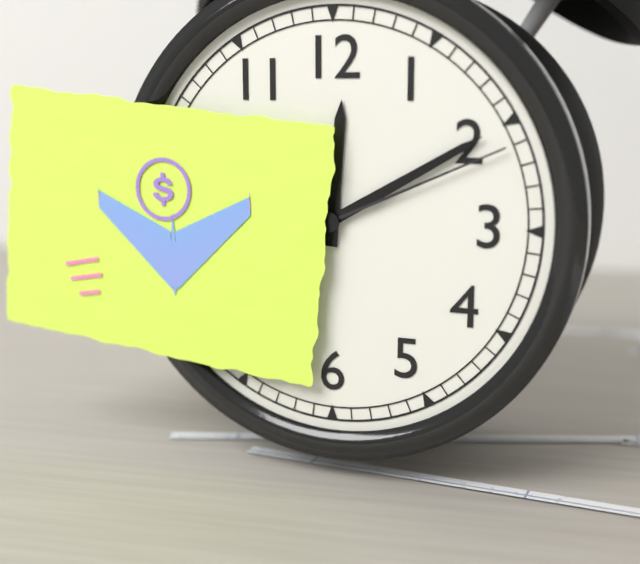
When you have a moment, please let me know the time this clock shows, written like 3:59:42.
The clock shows 12:10:11
